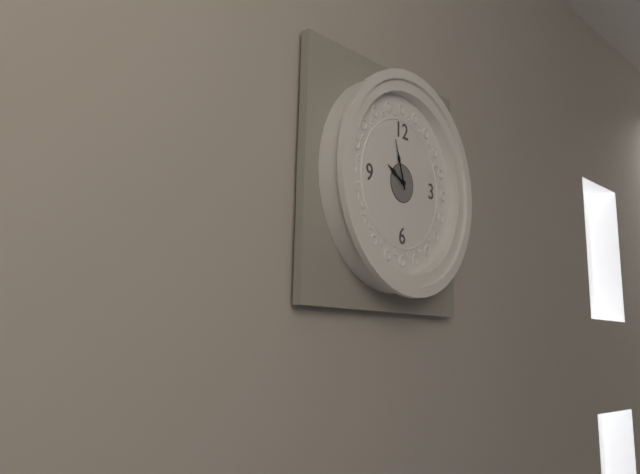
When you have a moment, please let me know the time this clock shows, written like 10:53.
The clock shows 9:57
